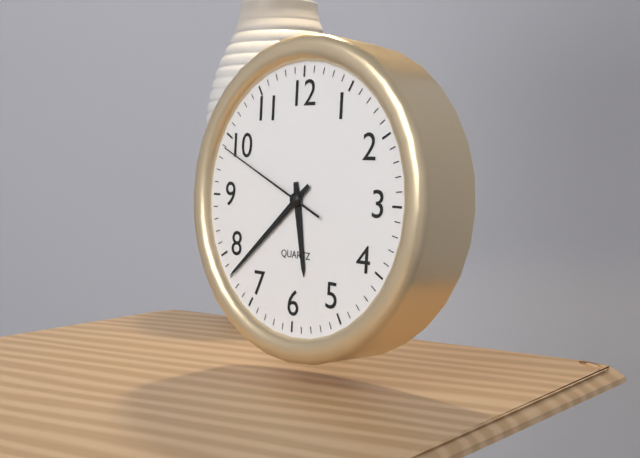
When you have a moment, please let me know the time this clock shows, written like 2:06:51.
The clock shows 5:38:49
